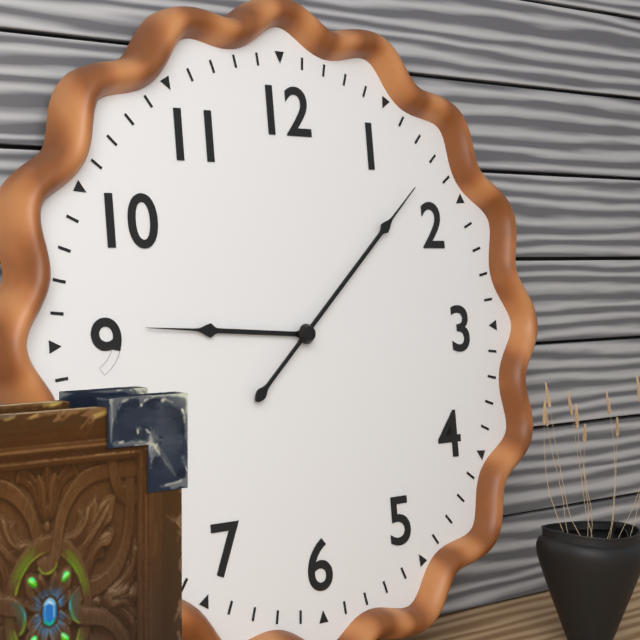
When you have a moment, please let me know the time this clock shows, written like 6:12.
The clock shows 9:08
